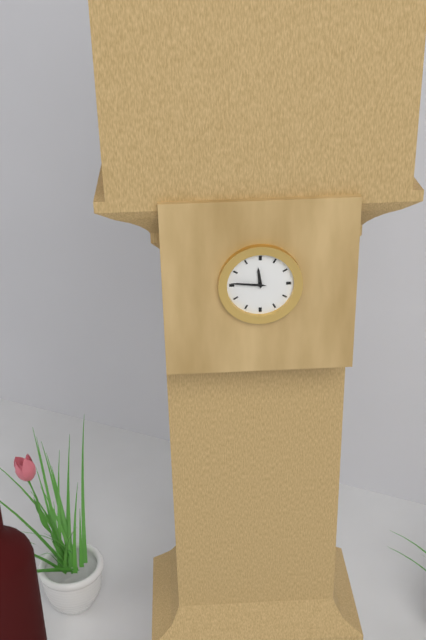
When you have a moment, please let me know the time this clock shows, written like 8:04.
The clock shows 11:46
